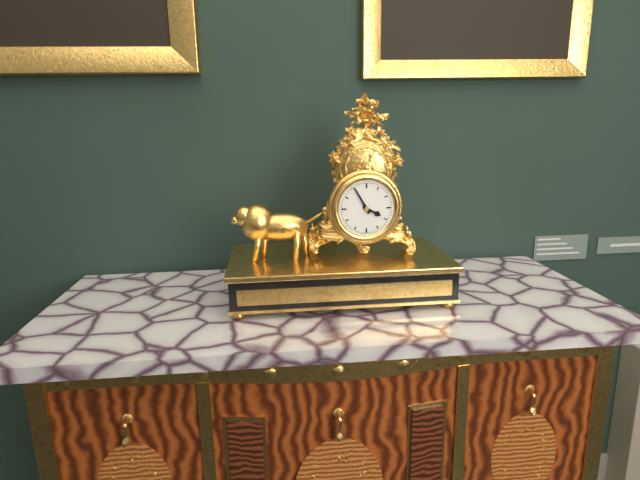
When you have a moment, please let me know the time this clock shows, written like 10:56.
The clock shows 3:55
